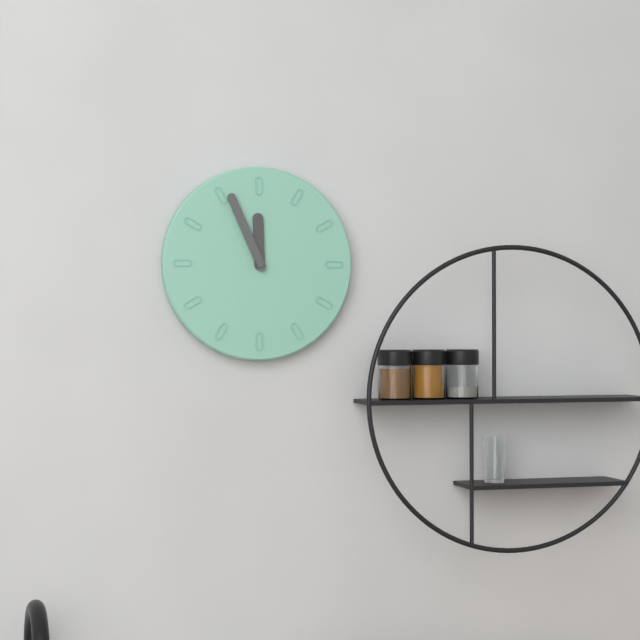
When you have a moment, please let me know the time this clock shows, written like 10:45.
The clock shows 11:56
